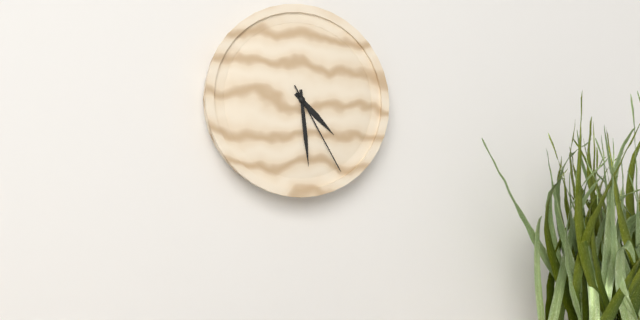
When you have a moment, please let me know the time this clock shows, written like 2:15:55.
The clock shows 4:29:25
